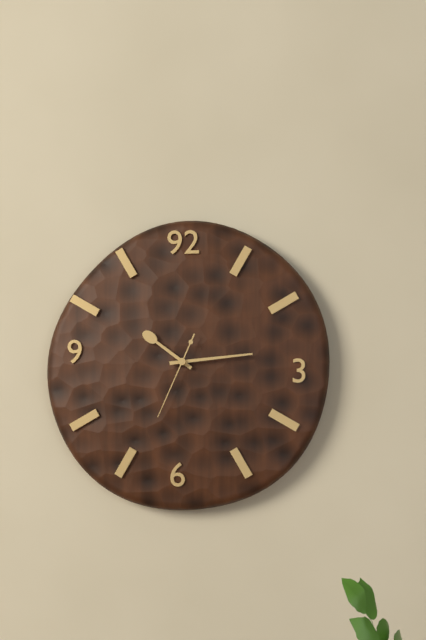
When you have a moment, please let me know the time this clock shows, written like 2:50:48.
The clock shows 10:14:34
